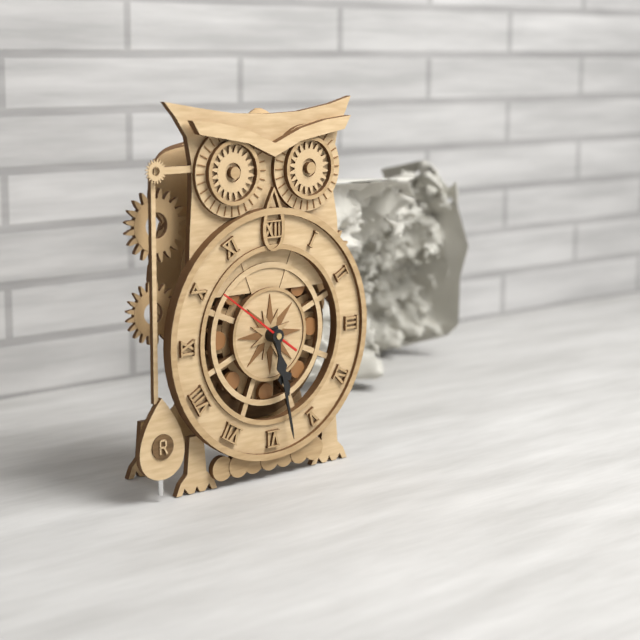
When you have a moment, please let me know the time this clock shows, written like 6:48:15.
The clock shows 5:28:51
